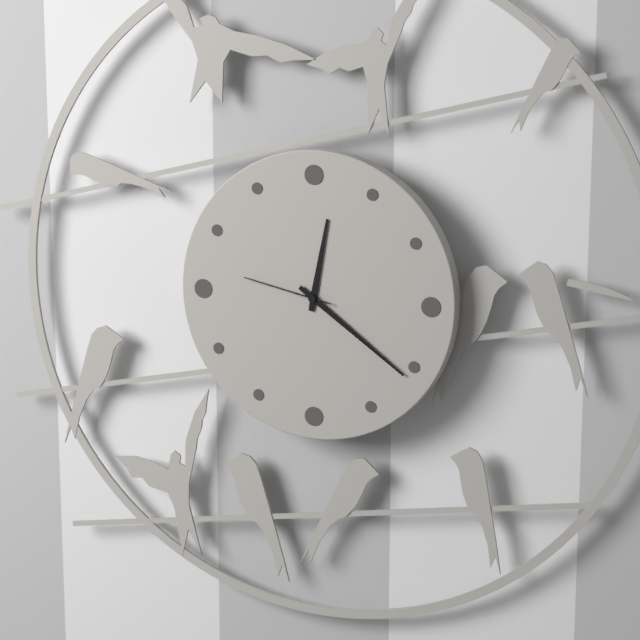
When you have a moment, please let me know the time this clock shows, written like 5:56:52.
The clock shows 12:21:47
